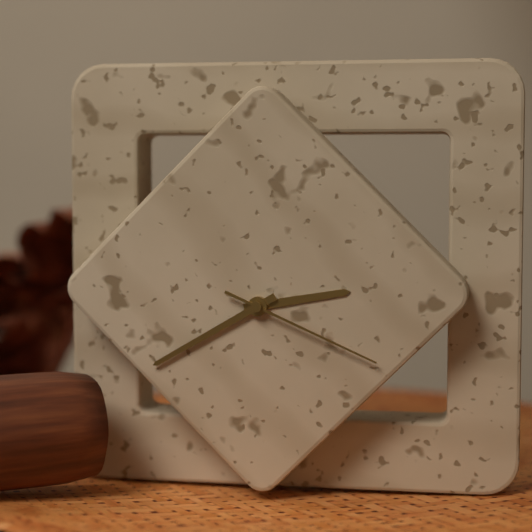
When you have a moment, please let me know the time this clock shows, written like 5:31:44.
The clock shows 2:40:19
